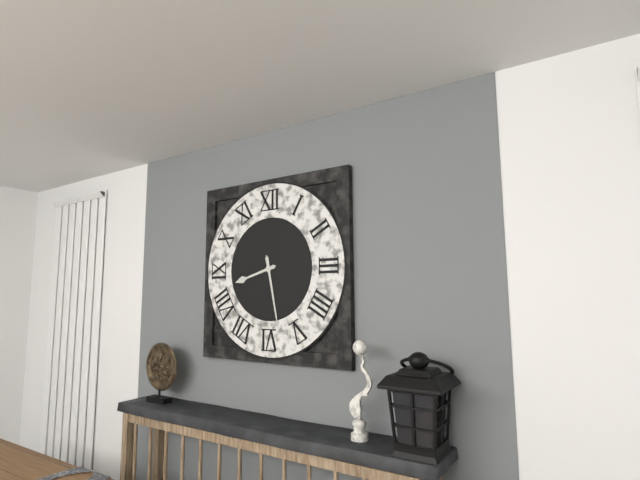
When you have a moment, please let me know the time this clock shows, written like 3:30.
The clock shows 8:28
